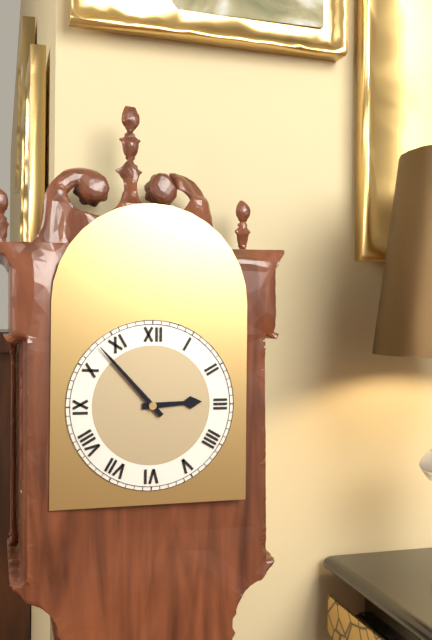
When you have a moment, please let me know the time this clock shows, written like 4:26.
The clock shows 2:53
